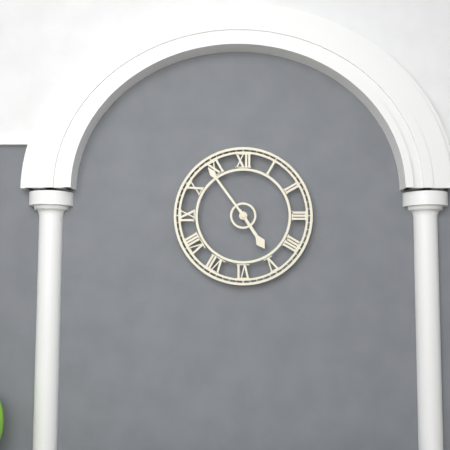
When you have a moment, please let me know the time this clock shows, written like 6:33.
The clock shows 4:54
